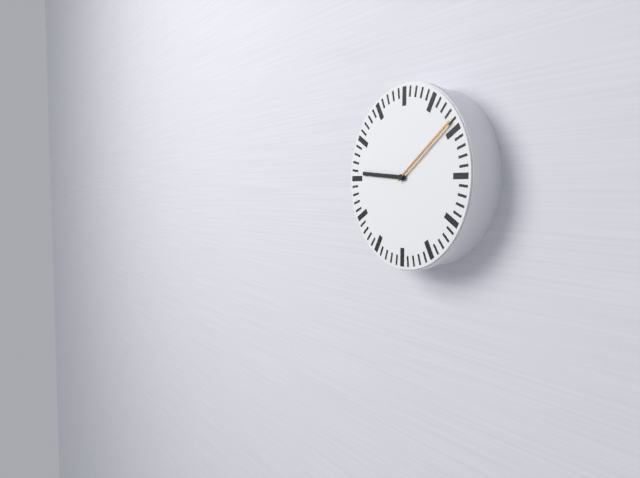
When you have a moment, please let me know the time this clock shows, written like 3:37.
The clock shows 9:09
